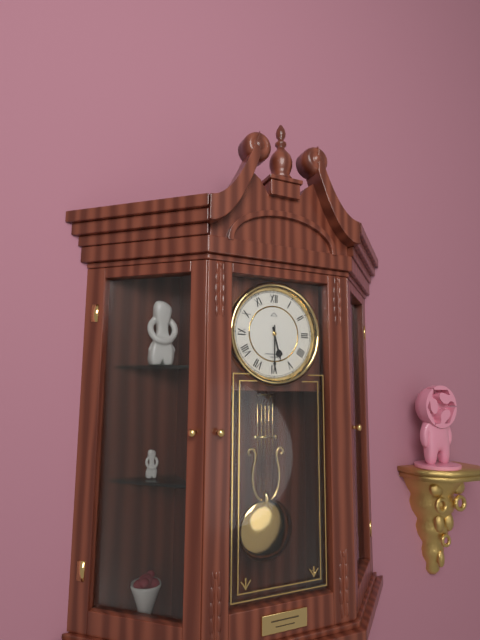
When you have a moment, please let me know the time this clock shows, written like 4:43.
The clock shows 5:30
